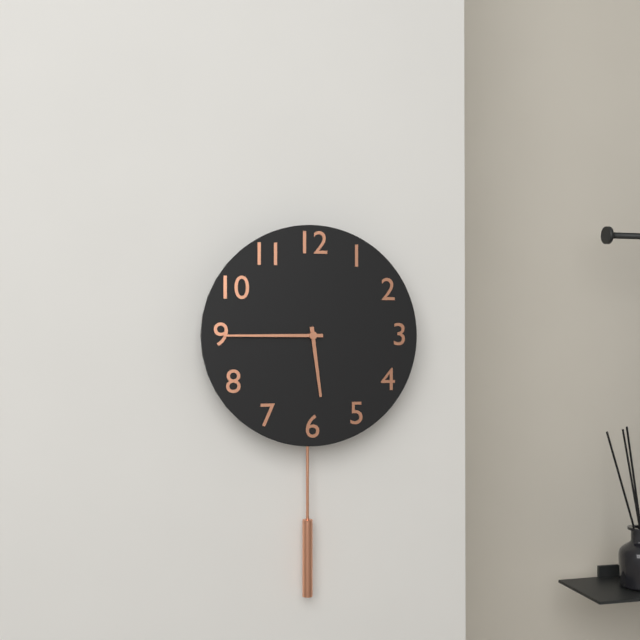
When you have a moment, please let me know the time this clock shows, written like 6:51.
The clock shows 5:45
